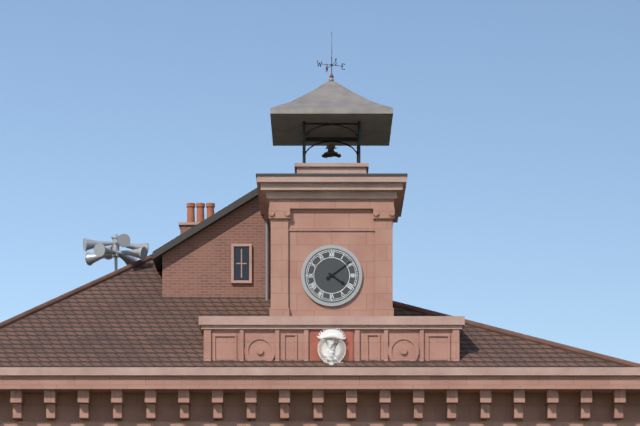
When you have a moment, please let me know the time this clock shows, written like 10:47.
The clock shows 4:09
